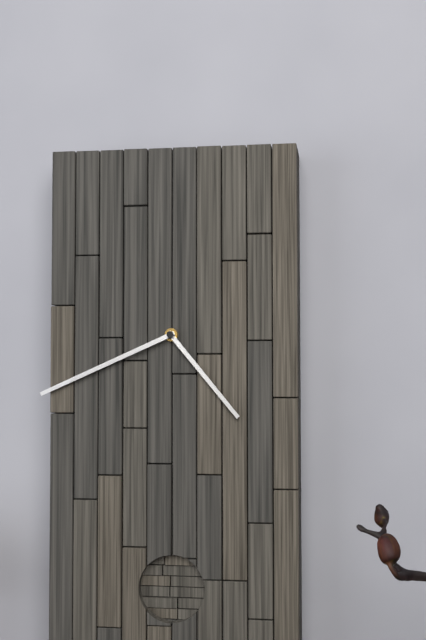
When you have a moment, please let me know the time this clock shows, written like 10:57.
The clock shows 4:41
